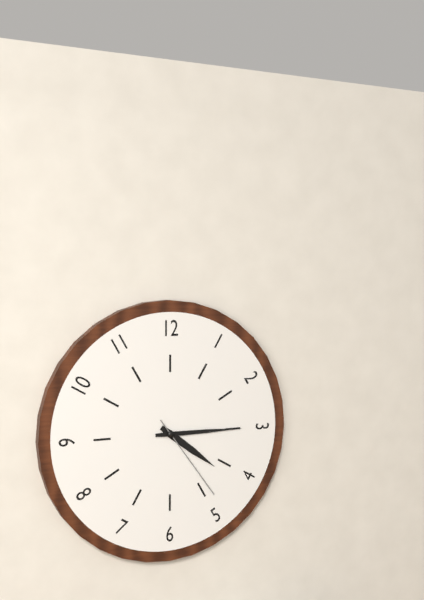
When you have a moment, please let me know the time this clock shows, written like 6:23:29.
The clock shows 4:15:24
